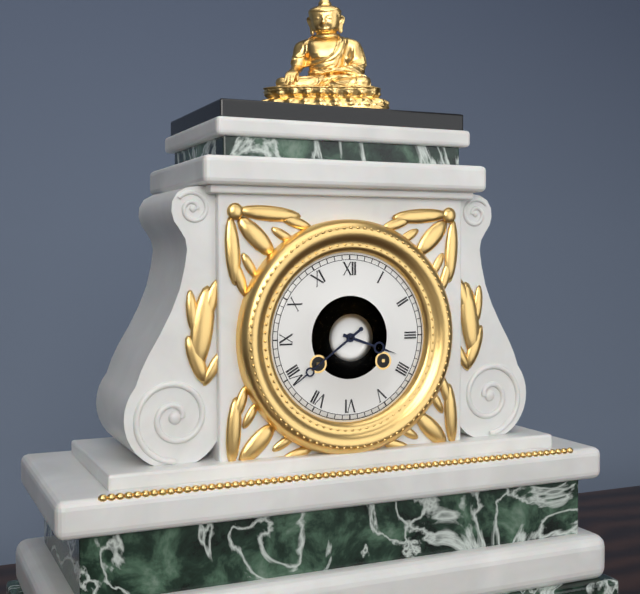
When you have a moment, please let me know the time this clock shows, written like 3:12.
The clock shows 3:39
